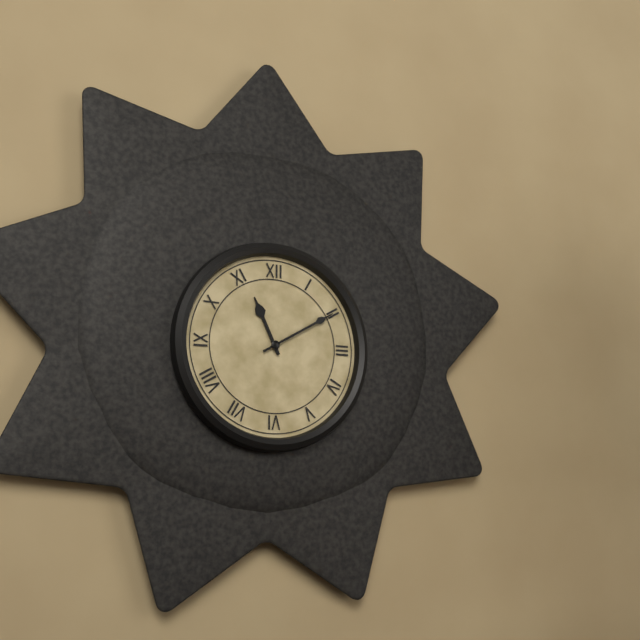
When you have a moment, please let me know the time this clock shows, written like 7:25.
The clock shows 11:10
